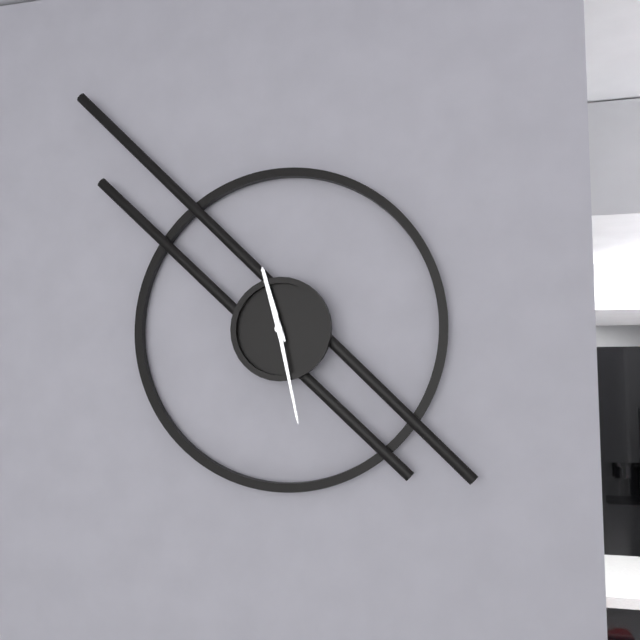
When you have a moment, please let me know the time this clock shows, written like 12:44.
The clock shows 11:28
